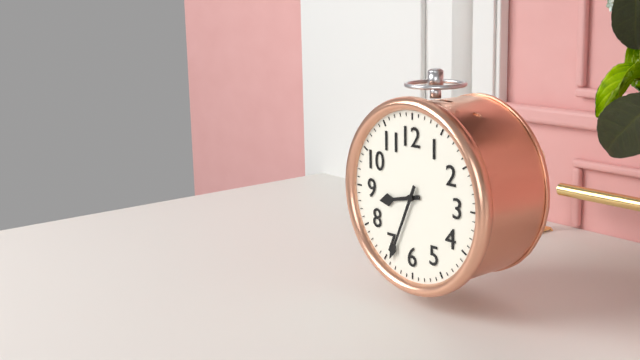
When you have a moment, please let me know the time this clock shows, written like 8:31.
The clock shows 8:34
